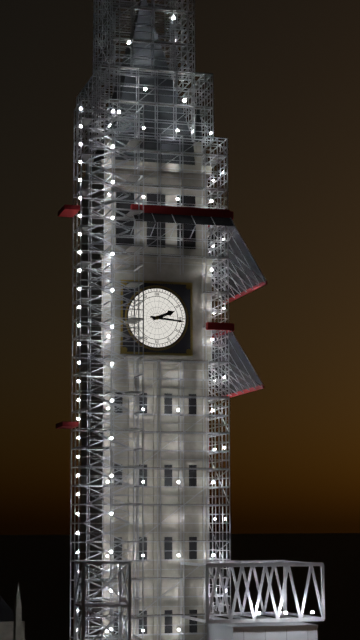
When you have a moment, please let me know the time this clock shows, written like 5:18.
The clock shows 2:16
